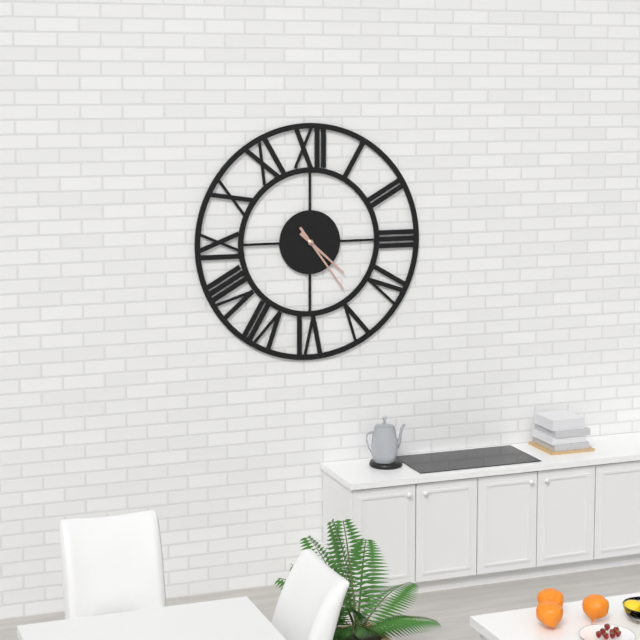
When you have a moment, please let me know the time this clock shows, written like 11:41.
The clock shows 4:24
